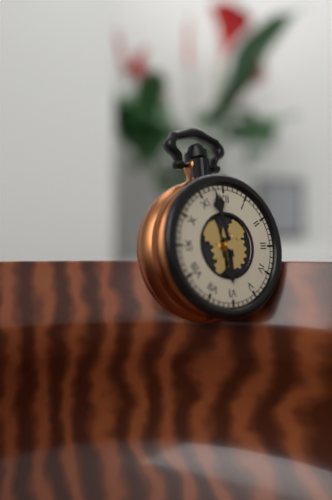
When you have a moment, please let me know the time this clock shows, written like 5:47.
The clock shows 5:58
